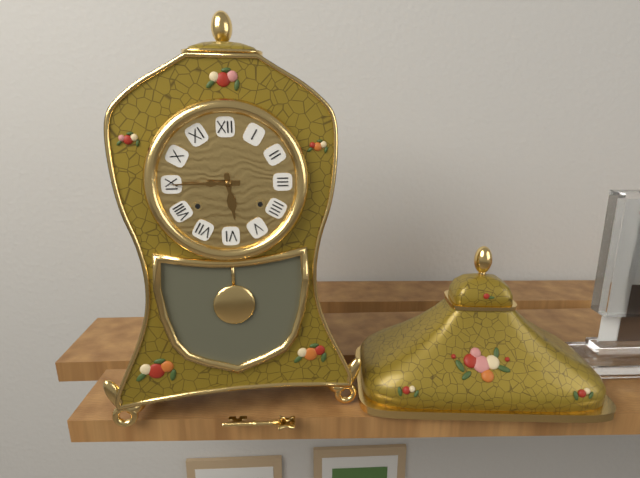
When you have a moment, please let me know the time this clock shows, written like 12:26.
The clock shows 5:45
